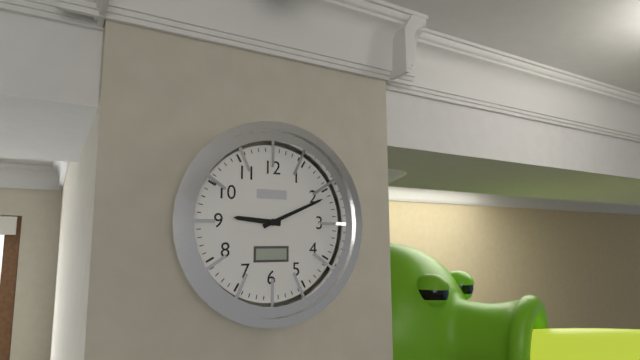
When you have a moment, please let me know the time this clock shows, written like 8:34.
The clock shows 9:11
